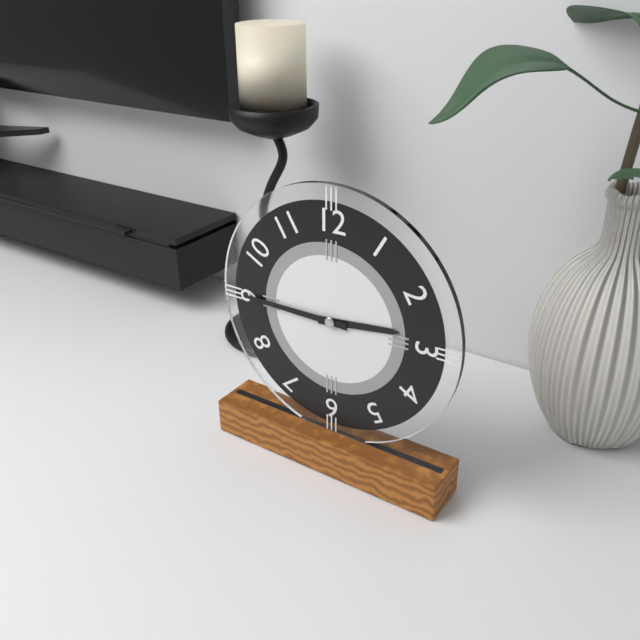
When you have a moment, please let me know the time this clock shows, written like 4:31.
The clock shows 2:45
